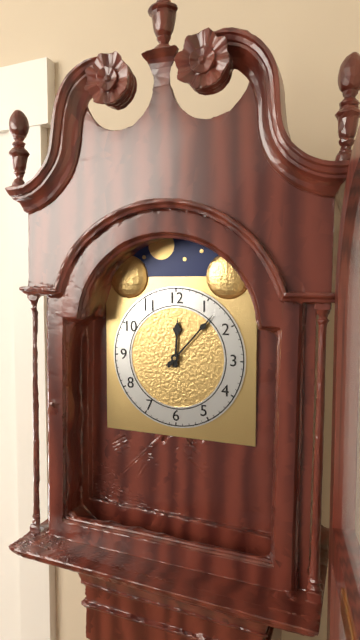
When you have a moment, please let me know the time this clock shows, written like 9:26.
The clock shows 12:07
